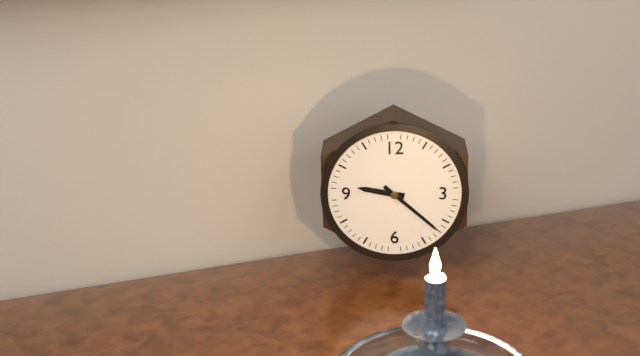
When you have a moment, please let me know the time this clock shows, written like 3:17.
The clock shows 9:22
